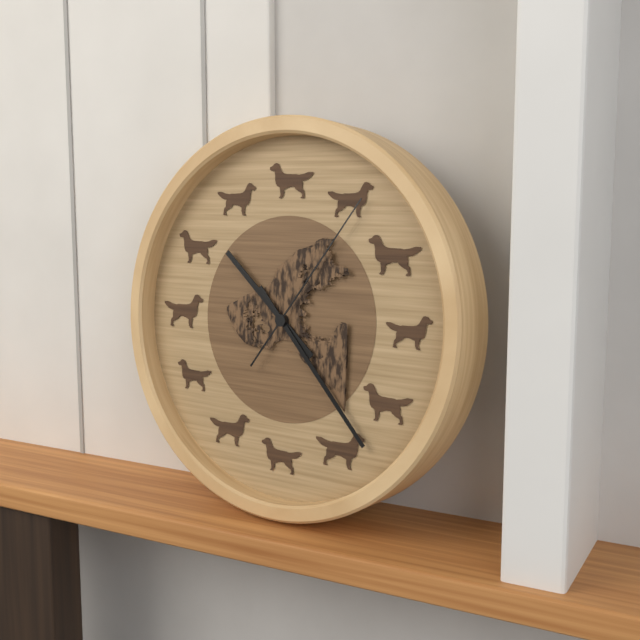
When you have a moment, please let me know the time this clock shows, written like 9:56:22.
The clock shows 10:23:06
